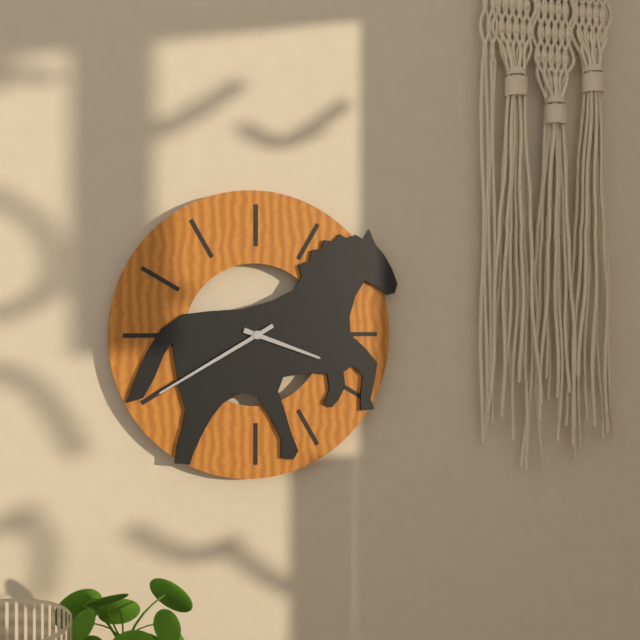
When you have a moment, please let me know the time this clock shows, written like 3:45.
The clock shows 3:40
